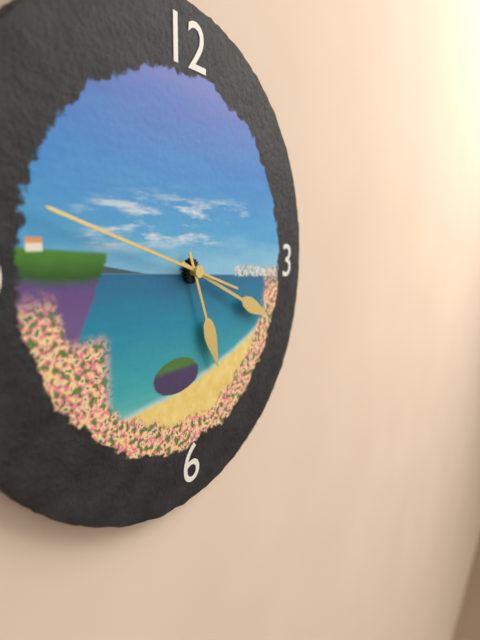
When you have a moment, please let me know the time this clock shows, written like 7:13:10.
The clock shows 5:19:48
